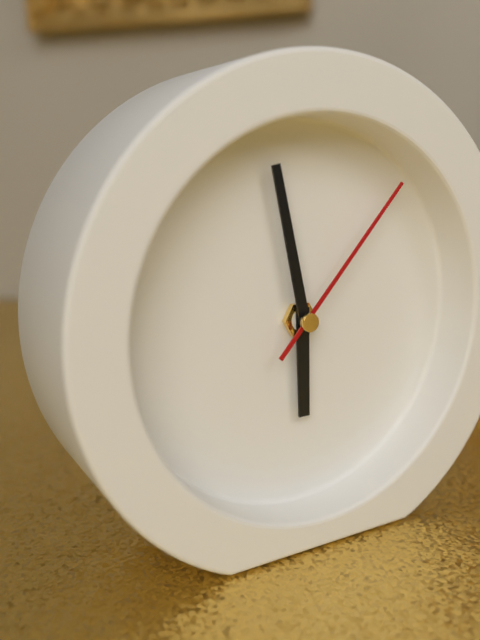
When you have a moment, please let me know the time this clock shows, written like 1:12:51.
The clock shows 5:58:07
